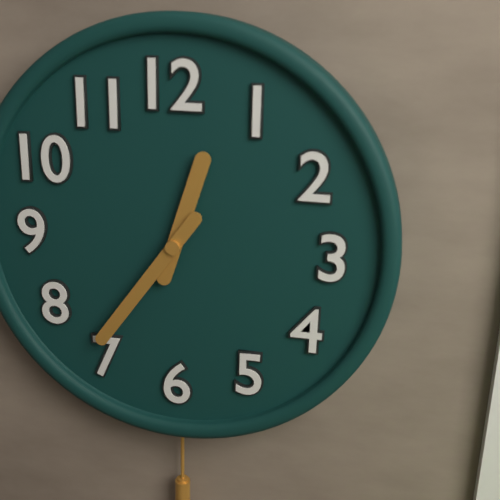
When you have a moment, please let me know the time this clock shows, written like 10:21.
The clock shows 12:36
